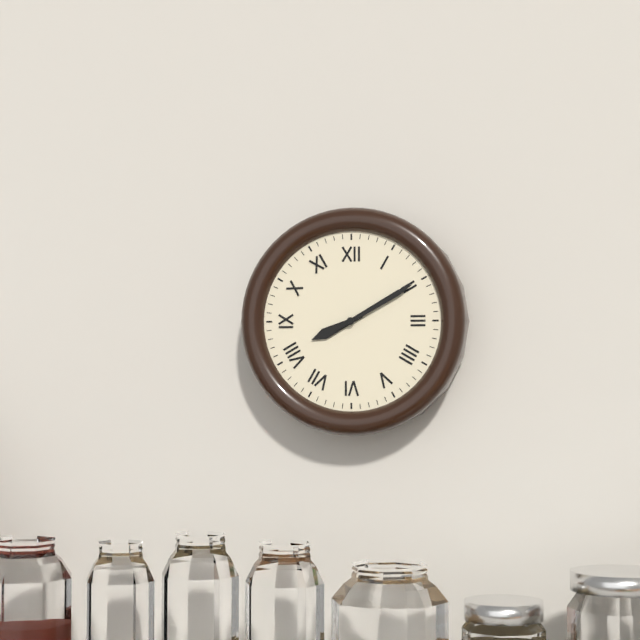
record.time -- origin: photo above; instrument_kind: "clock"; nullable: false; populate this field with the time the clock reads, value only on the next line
8:10
